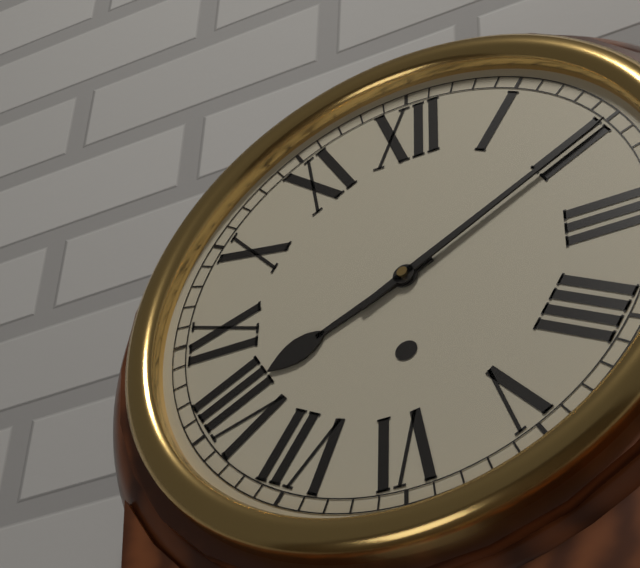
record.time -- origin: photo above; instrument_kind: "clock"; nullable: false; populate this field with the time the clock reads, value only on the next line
8:10
